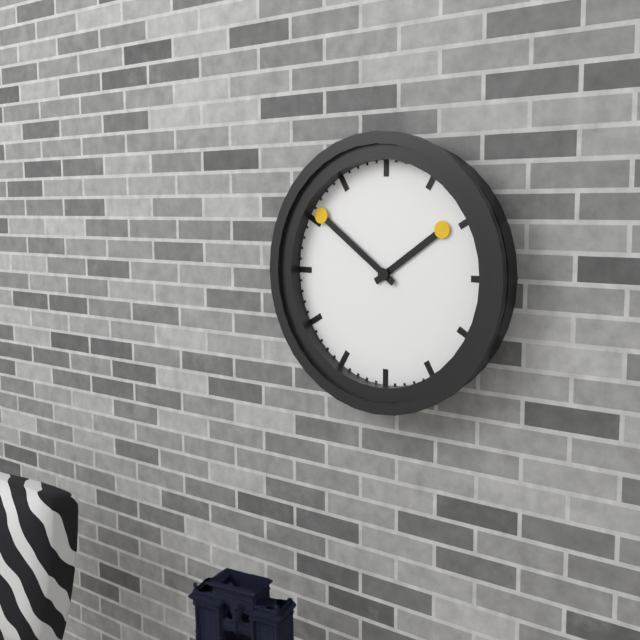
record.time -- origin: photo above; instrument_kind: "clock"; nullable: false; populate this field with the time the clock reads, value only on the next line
1:51
